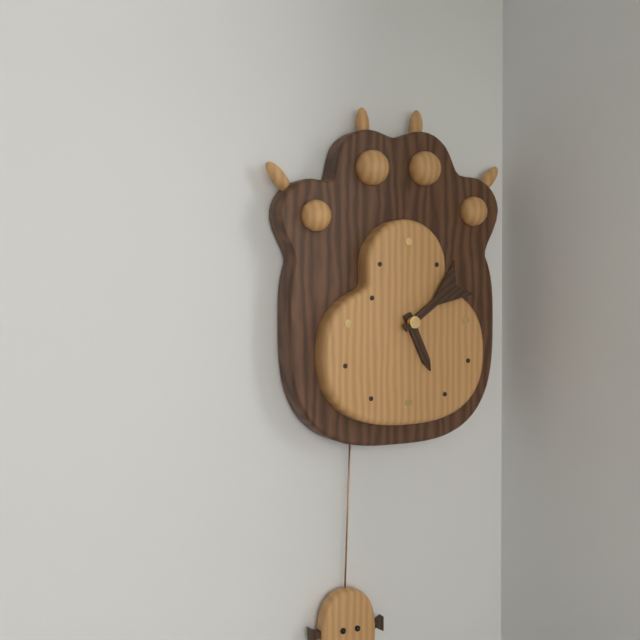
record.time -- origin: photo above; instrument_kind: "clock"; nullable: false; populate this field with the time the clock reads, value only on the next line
5:09
